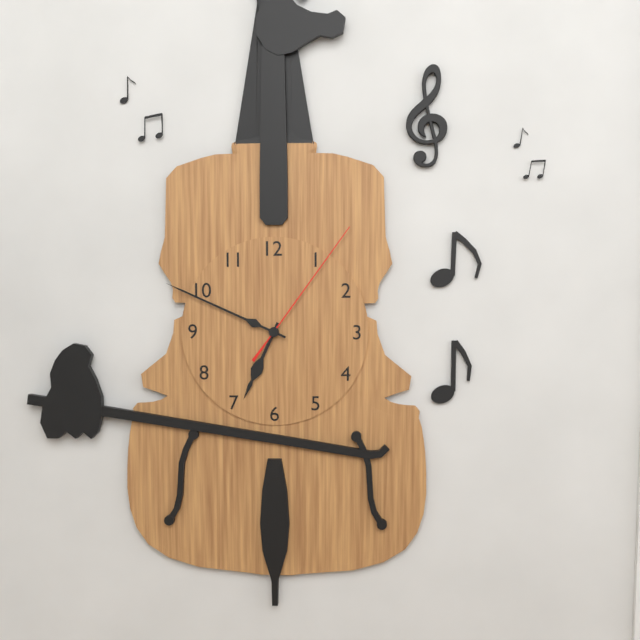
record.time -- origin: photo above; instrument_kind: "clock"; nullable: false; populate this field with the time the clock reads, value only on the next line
6:49:06
